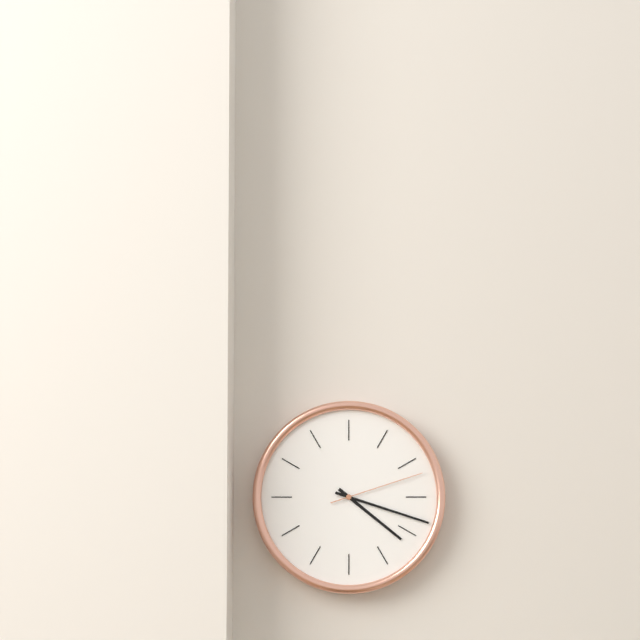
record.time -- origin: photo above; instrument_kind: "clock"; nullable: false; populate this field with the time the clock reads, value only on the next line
4:18:12
